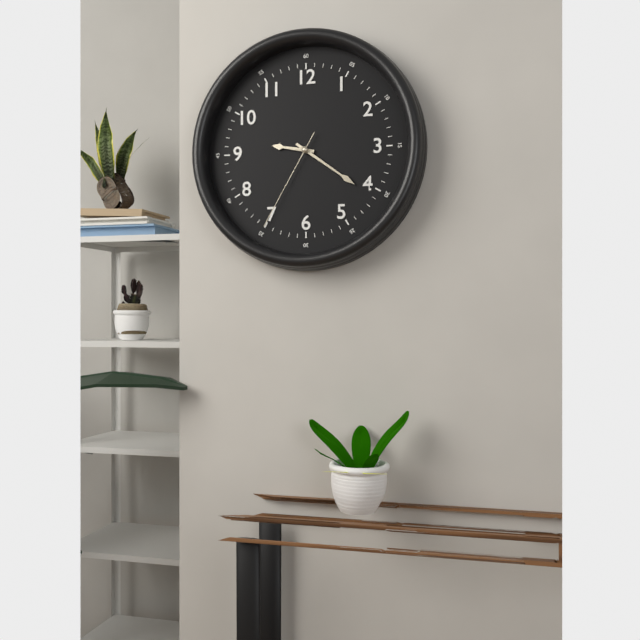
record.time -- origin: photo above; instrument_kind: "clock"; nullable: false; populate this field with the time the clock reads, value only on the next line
9:21:35
